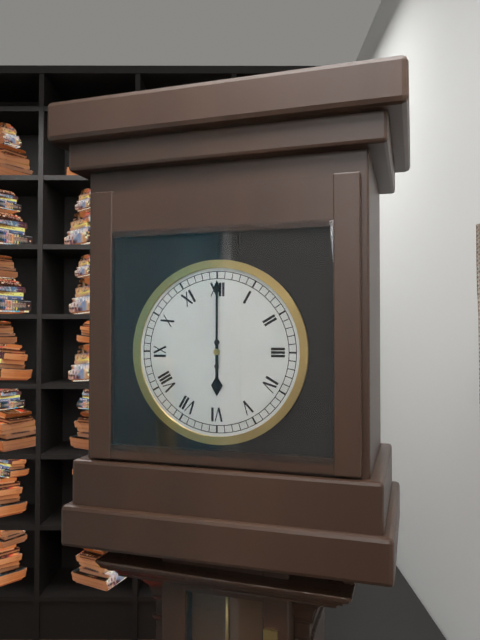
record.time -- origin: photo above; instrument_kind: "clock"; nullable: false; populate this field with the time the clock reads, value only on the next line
6:00
